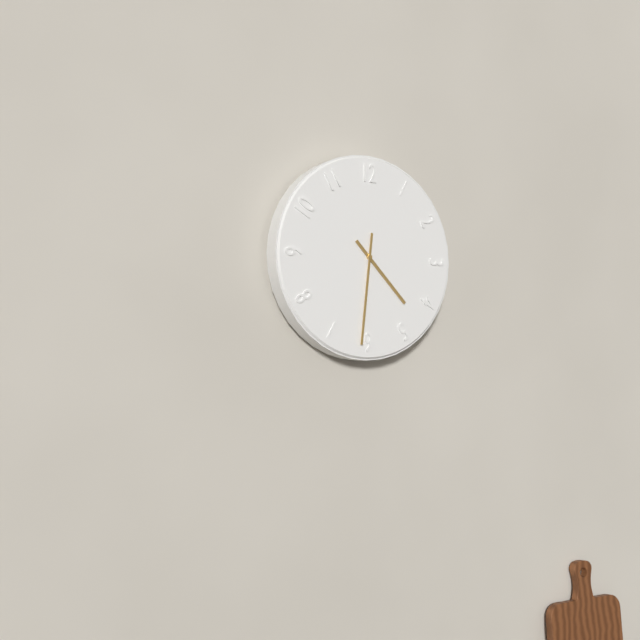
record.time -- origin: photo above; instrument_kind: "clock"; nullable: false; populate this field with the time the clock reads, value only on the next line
4:31
